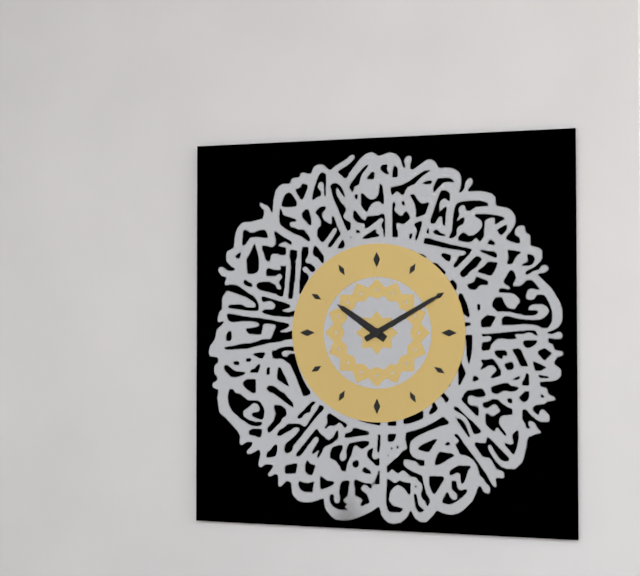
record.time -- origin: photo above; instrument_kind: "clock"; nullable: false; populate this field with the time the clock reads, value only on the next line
10:10
